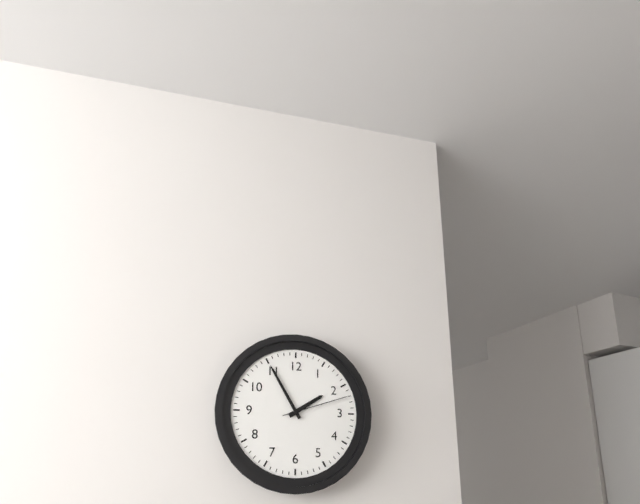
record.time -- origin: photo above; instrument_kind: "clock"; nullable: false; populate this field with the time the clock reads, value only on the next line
1:55:12
